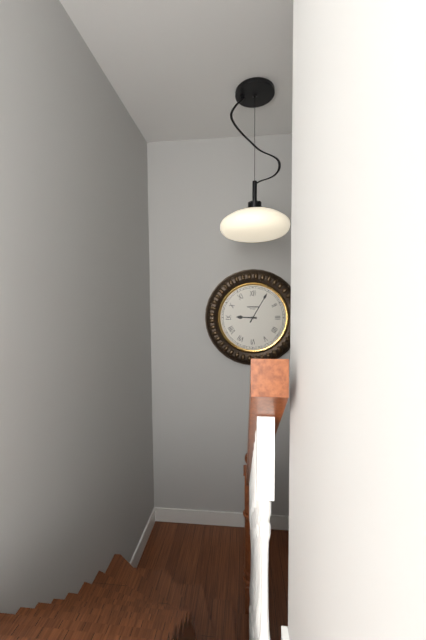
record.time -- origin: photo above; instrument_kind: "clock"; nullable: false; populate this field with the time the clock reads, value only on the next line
9:05
